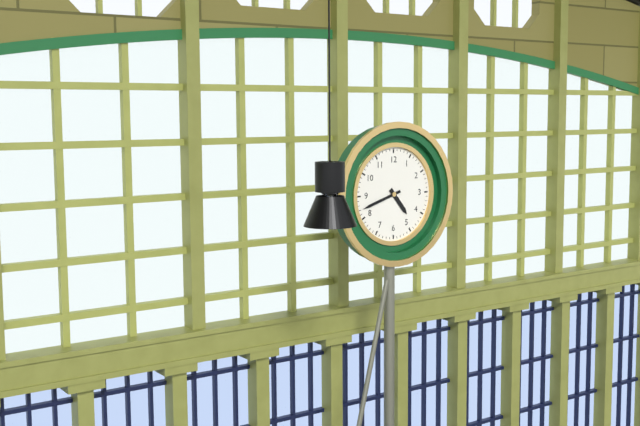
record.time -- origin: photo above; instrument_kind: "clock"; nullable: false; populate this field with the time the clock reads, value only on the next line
4:42
